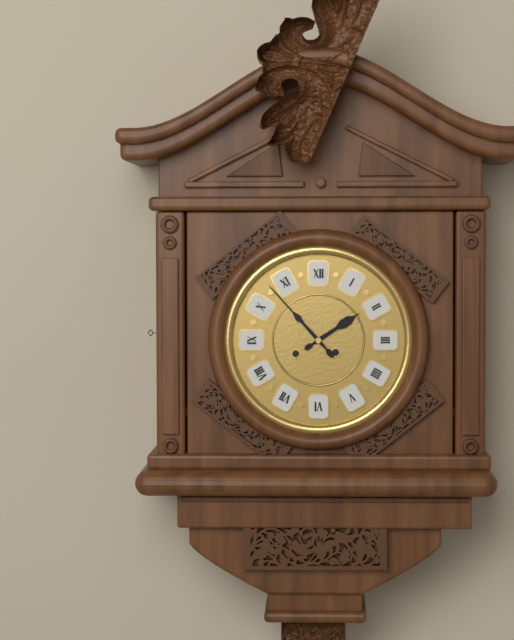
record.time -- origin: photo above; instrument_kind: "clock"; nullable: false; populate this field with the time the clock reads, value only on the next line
1:53
